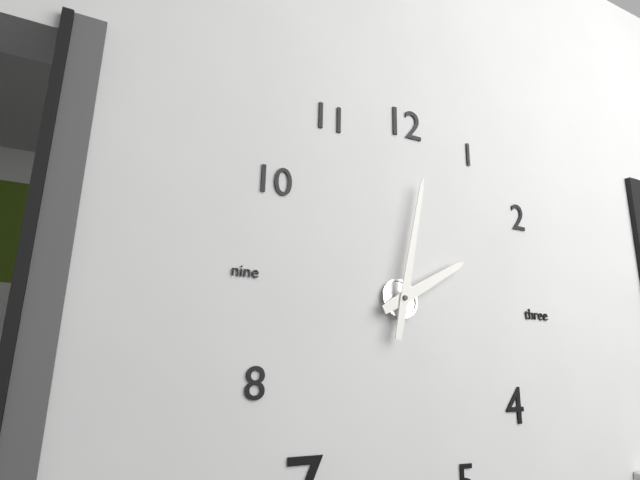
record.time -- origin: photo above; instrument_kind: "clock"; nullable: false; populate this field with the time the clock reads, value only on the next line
2:02
